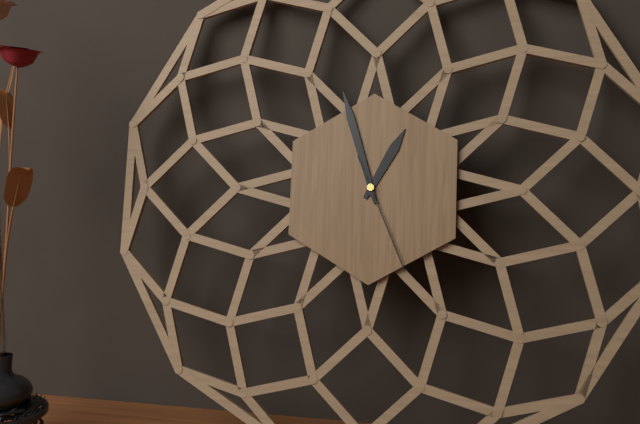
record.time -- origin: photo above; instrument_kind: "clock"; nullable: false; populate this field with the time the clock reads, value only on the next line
12:57:26
